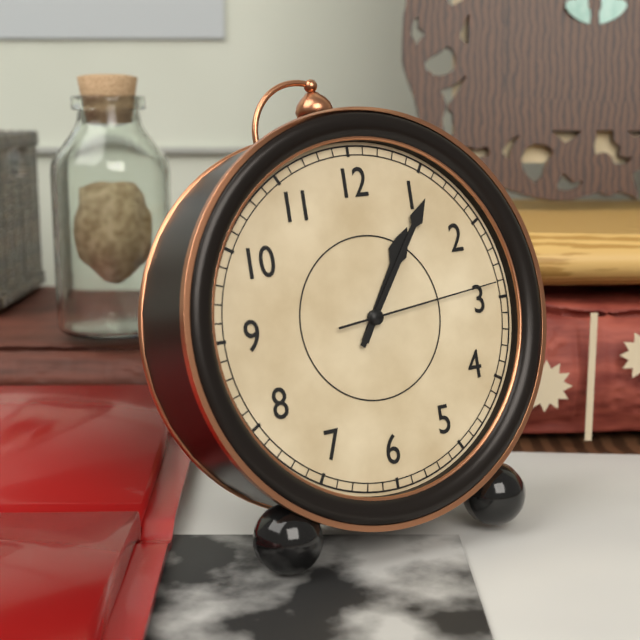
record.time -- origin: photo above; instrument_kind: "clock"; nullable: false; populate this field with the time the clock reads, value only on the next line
1:06:14
